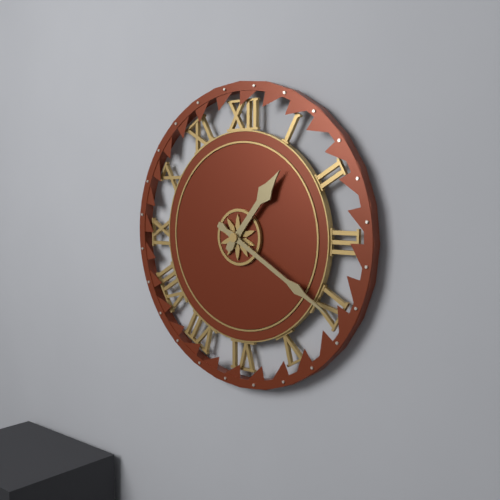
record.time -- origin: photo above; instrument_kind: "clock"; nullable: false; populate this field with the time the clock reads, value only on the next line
1:20
